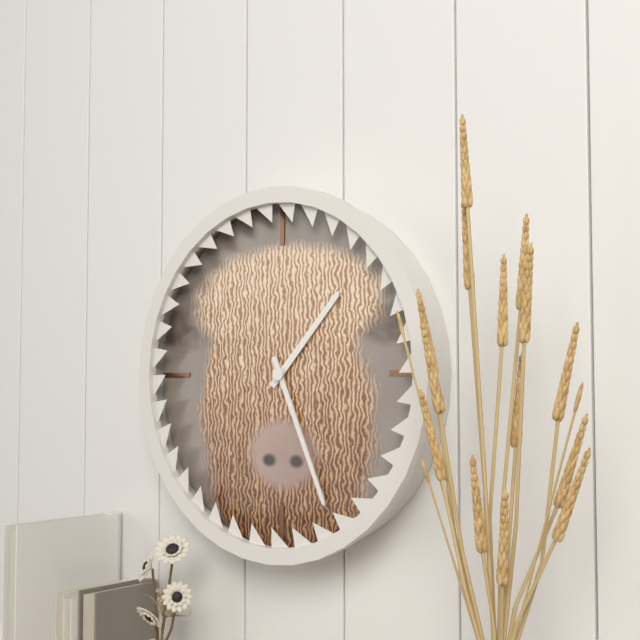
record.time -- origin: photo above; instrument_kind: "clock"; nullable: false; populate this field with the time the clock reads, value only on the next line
1:26
